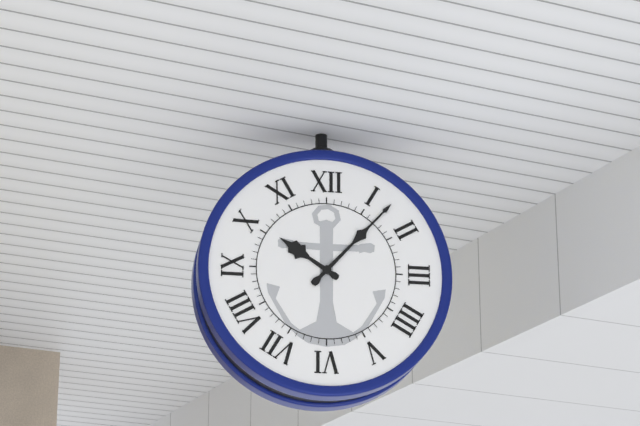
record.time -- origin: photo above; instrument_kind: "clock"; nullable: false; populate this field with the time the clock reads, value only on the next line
10:07
